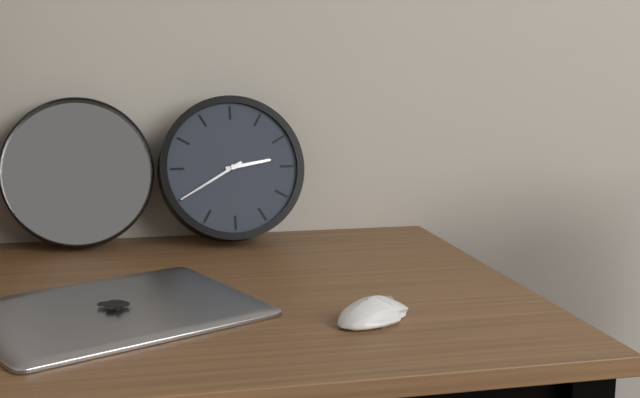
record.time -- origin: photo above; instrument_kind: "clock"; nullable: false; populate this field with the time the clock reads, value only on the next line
2:40
